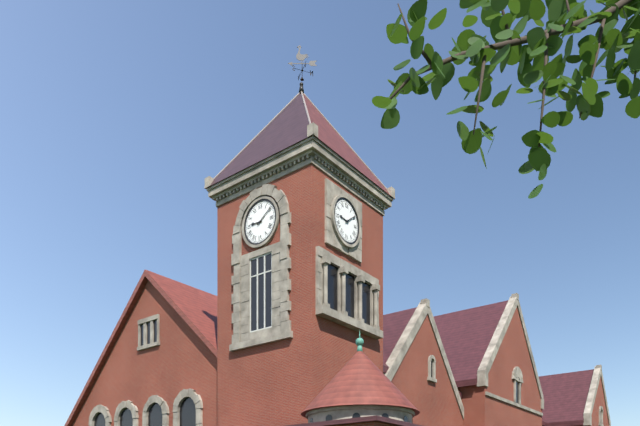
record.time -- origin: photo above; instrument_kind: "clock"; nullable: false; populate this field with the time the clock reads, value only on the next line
9:09
